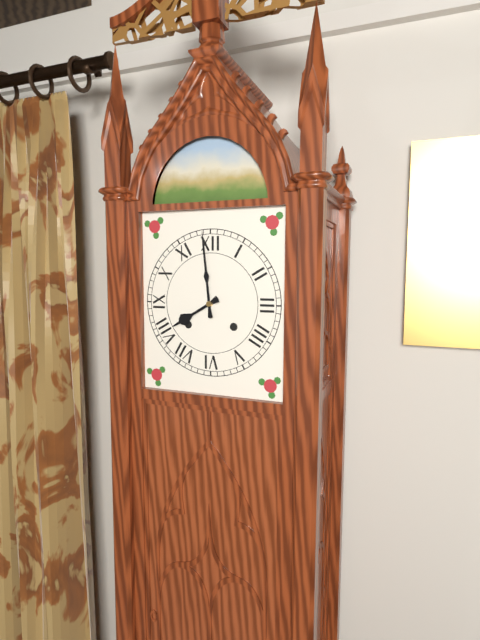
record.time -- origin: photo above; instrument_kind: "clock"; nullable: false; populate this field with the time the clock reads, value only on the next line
7:59
